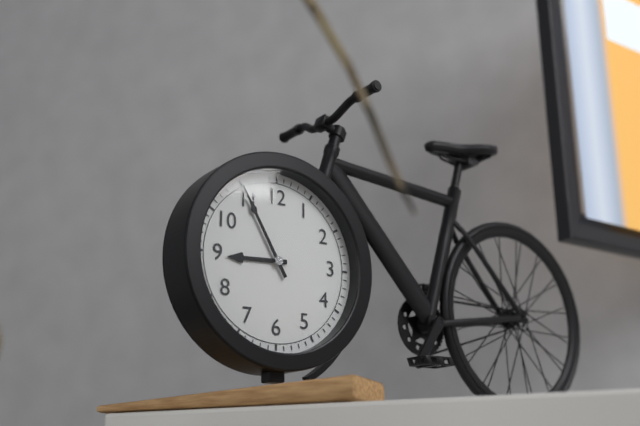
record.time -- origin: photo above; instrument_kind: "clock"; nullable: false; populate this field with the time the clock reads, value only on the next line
8:55
